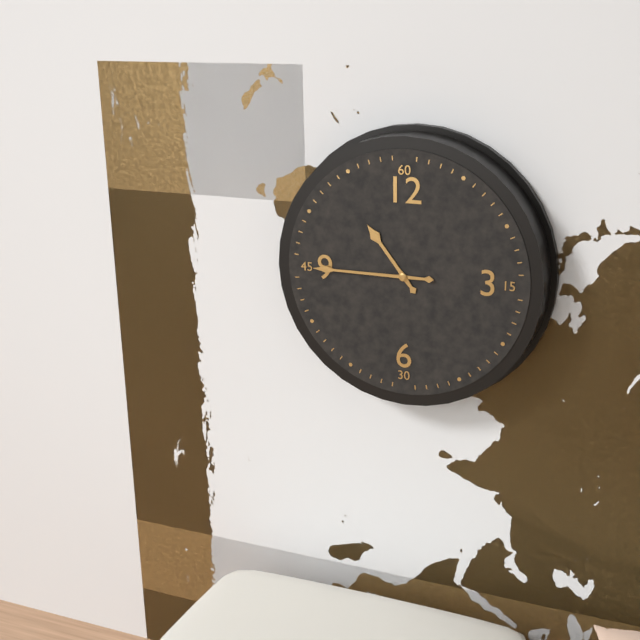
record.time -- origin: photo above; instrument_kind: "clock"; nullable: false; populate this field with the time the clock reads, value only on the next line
10:45
